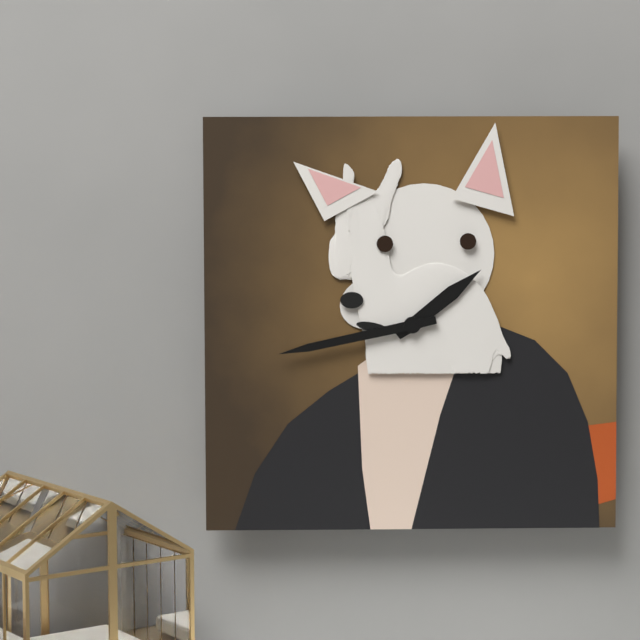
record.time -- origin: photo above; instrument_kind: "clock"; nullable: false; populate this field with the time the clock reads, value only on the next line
1:43
